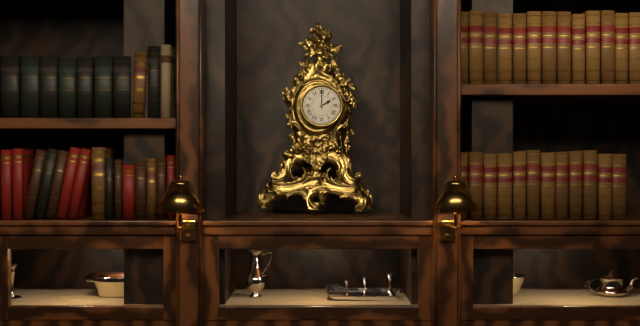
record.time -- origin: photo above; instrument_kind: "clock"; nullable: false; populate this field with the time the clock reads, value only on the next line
2:00
